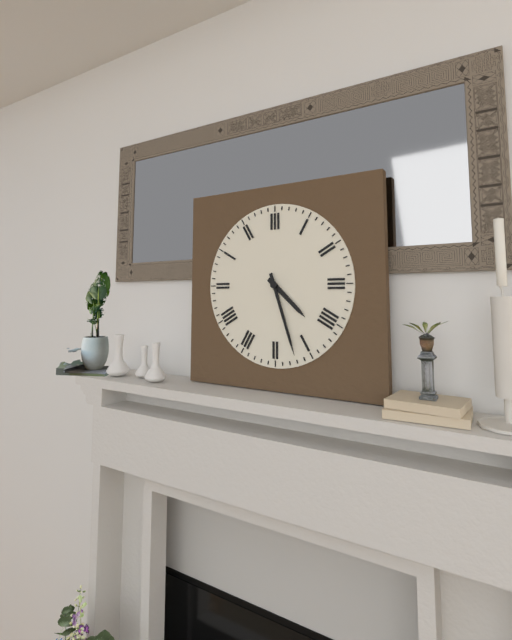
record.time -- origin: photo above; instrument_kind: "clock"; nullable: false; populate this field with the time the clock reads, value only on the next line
4:27
